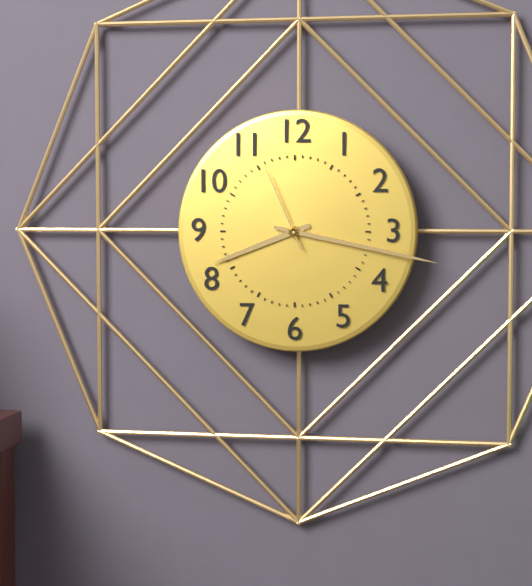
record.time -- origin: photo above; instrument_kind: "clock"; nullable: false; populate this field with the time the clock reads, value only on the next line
8:17:56
